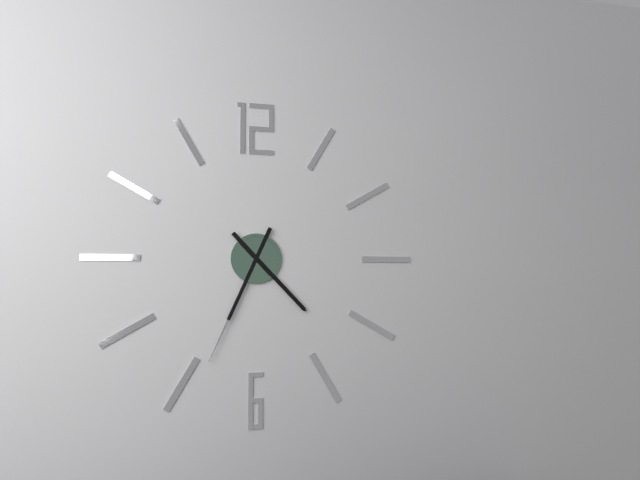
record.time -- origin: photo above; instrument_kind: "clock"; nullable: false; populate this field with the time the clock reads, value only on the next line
4:34
